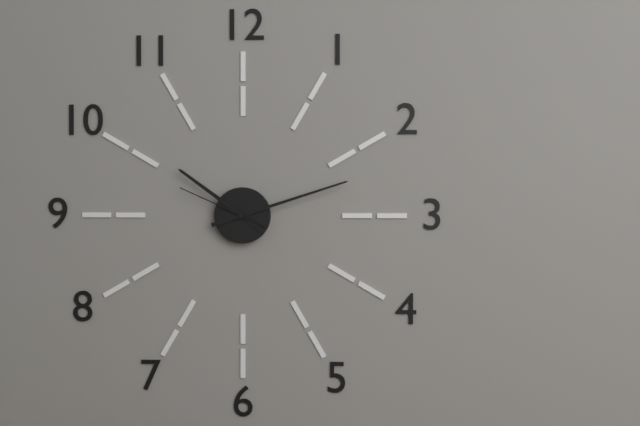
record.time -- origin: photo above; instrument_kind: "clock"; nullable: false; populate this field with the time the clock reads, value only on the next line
10:12:49
